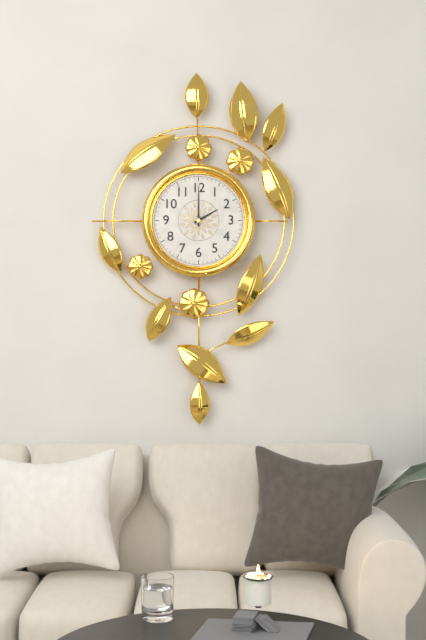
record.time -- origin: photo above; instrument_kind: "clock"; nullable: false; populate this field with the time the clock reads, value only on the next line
2:00
